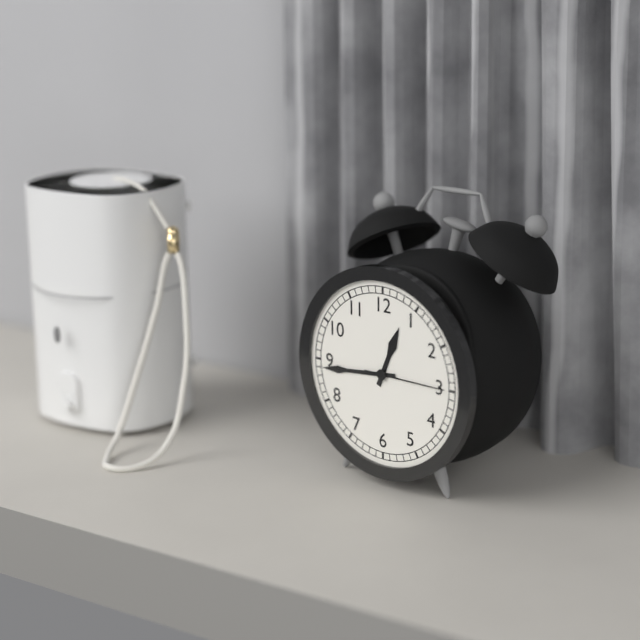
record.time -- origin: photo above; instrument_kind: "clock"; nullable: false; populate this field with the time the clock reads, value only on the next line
12:44:15
